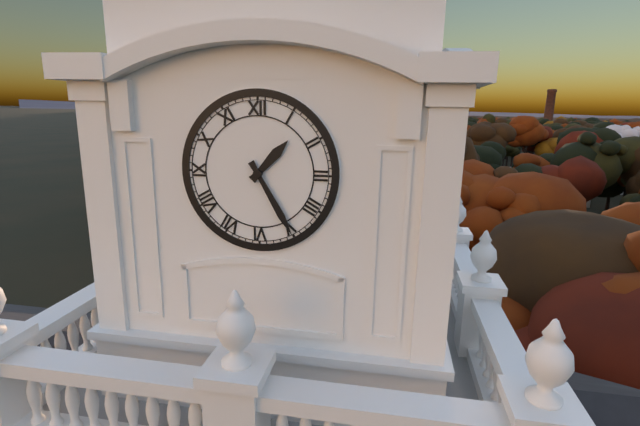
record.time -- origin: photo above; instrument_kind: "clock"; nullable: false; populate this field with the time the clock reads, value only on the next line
1:25
